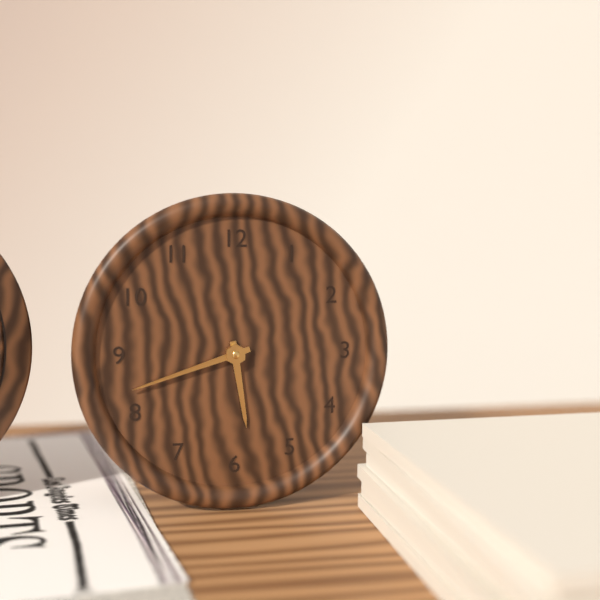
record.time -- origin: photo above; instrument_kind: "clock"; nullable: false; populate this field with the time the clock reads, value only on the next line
5:42
